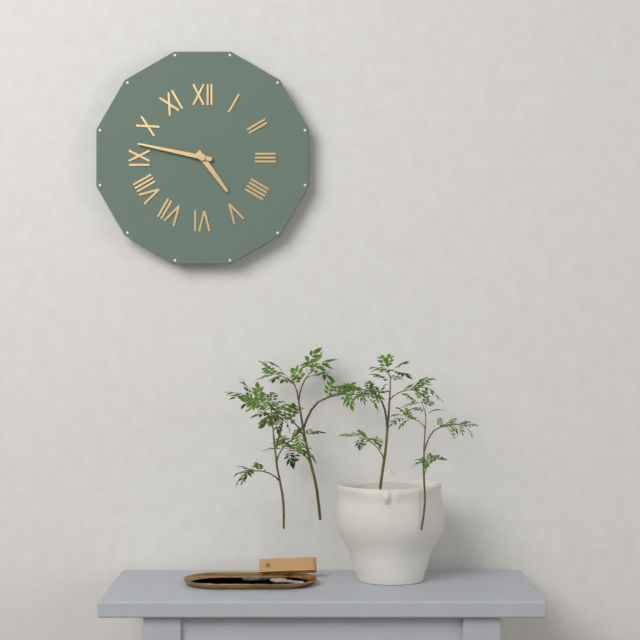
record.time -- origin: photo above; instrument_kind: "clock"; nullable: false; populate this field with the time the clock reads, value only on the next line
4:47
